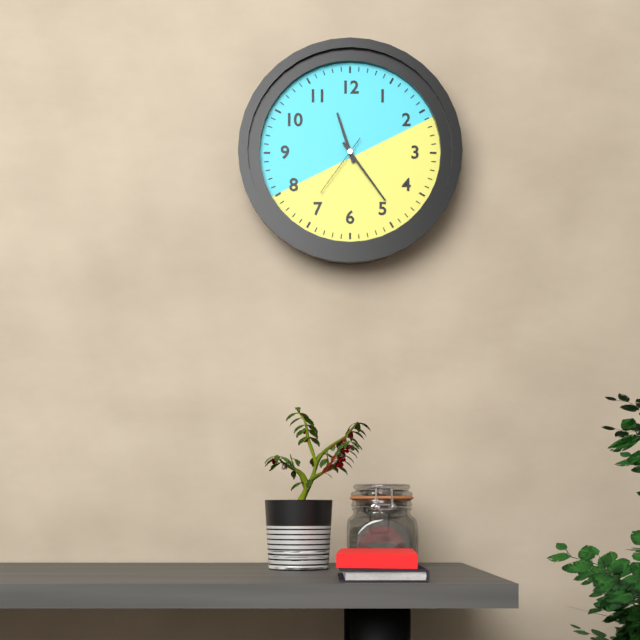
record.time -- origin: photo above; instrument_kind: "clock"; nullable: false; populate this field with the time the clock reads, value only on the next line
11:24:36
